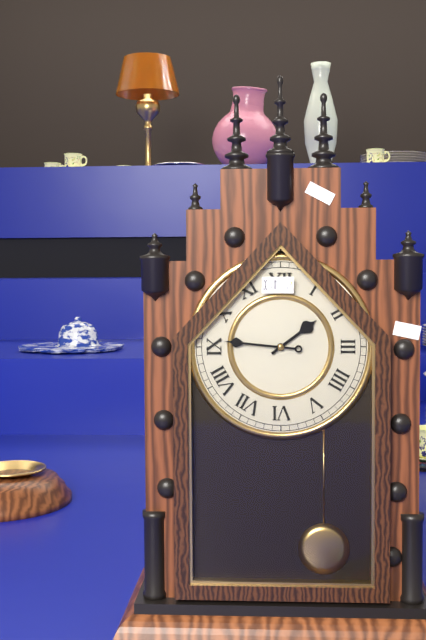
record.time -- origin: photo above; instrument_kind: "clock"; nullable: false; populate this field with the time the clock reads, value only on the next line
1:46
